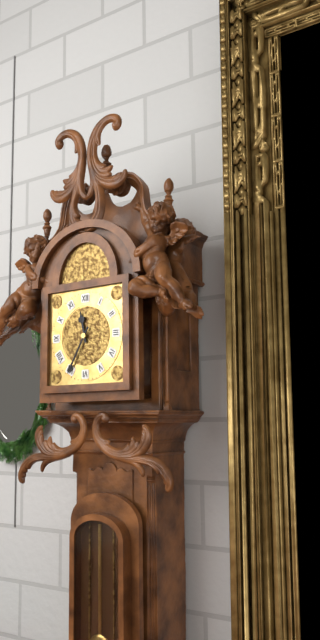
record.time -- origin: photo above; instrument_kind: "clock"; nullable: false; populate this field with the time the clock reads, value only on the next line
11:35
